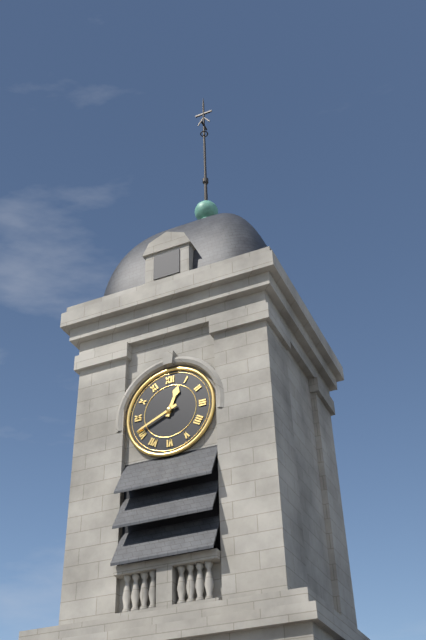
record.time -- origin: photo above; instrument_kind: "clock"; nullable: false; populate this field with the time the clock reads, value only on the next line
12:41
